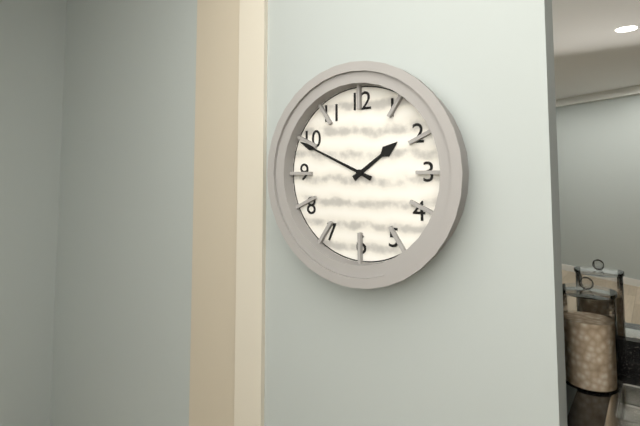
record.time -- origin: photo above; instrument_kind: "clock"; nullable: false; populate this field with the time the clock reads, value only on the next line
1:49
